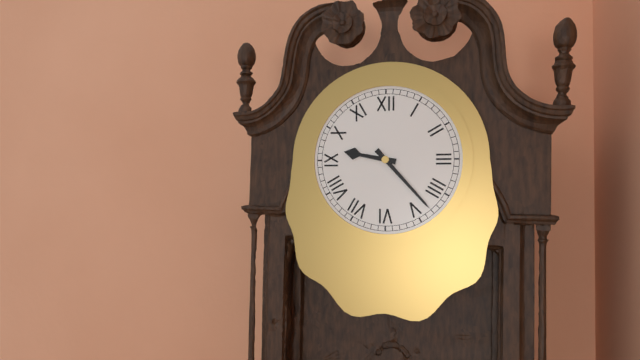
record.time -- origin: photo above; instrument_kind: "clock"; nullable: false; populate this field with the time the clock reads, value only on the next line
9:23
